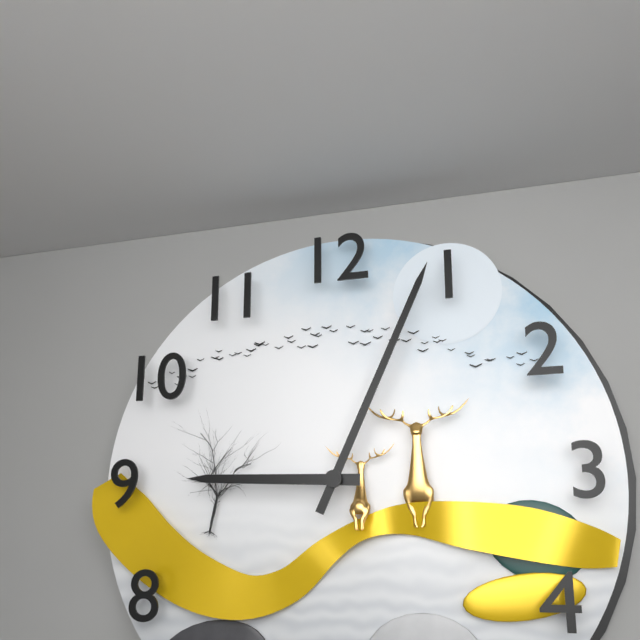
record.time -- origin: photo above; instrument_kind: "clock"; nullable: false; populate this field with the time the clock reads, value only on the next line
9:04
